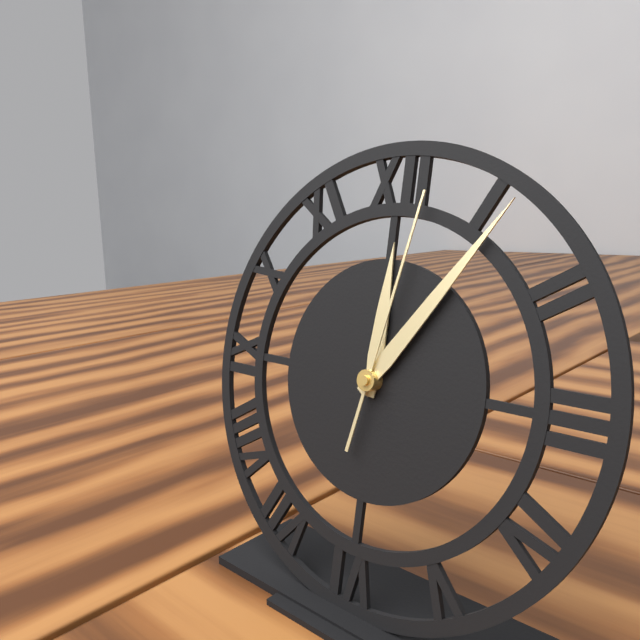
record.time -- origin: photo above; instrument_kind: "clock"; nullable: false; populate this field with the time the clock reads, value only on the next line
12:06:02
